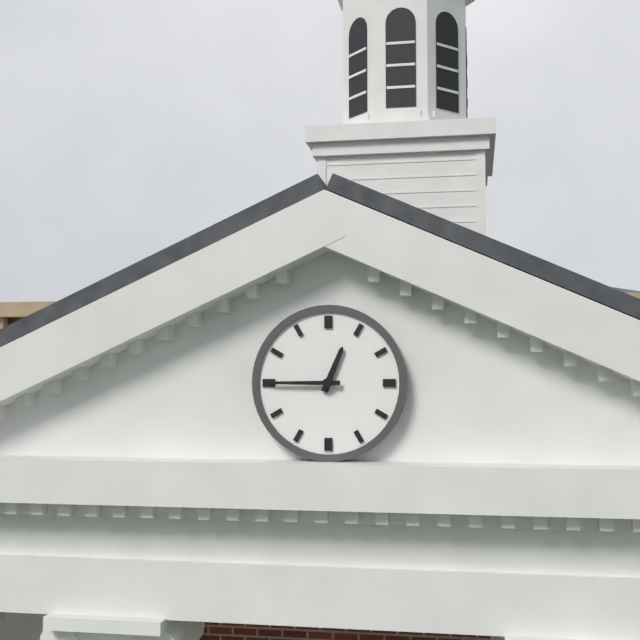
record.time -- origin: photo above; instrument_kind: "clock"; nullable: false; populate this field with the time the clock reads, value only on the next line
12:45
